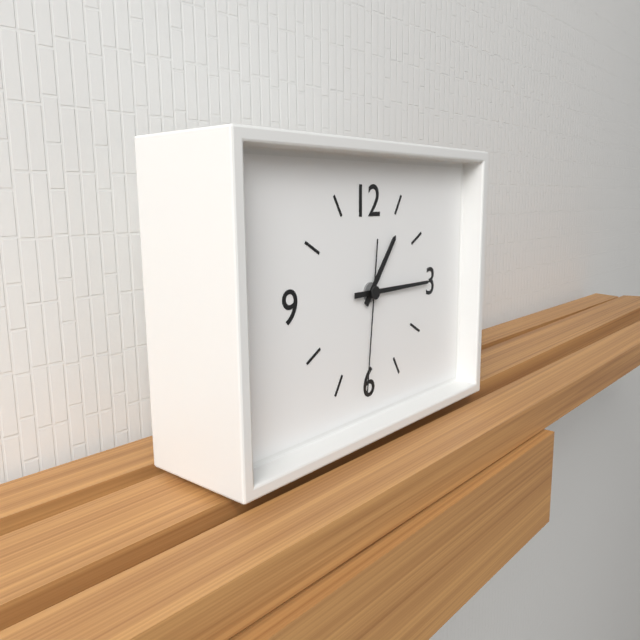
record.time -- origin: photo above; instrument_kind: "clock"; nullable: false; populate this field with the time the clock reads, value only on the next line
1:15:31
